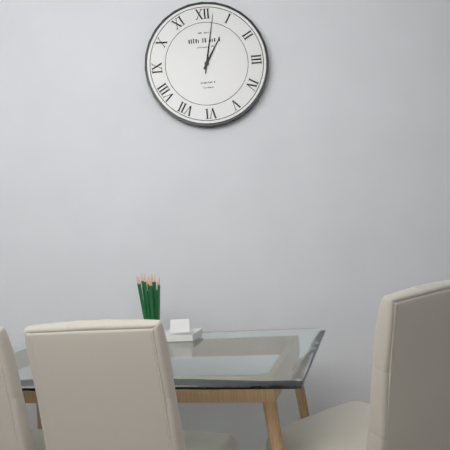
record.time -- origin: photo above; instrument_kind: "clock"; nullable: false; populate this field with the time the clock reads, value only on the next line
1:02
